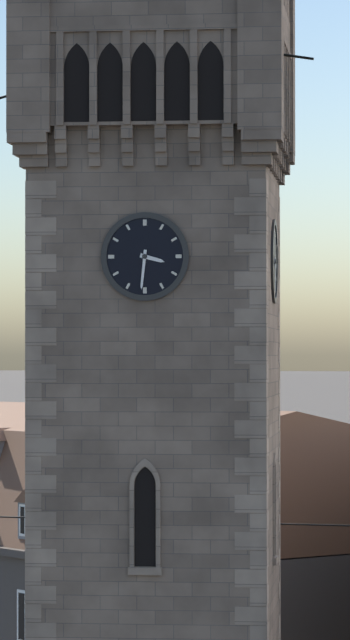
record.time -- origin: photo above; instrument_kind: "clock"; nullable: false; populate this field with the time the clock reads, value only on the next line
3:31
